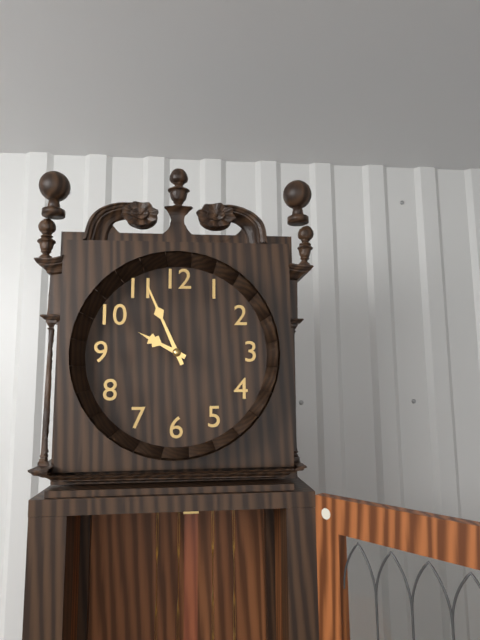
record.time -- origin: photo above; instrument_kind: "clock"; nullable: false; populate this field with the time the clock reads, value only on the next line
9:56
